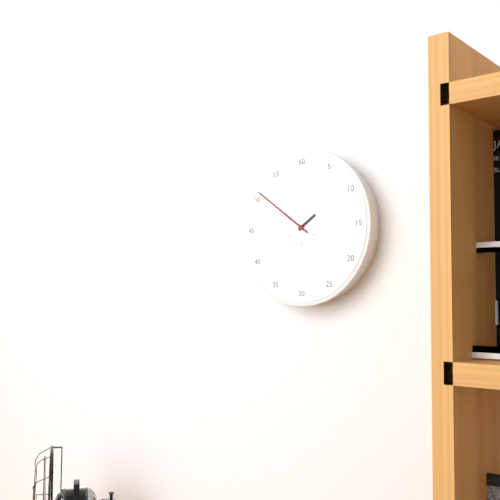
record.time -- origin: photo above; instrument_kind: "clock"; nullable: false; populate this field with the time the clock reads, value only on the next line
1:51
